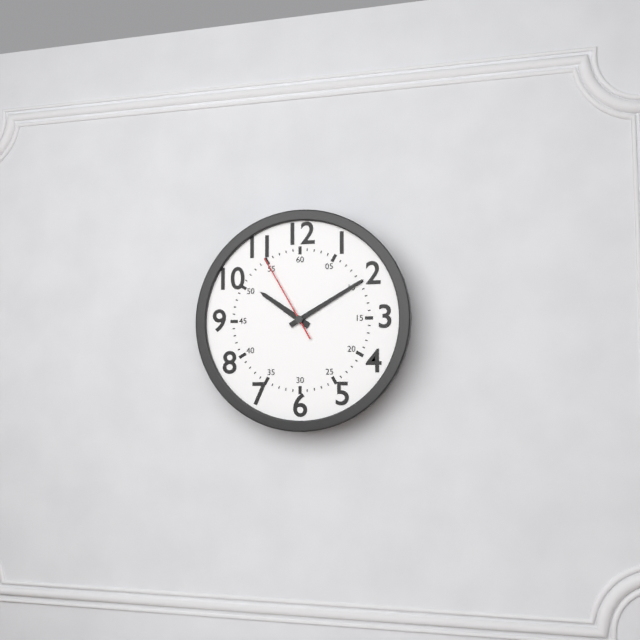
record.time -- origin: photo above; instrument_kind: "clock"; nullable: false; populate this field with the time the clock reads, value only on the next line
10:10:55
